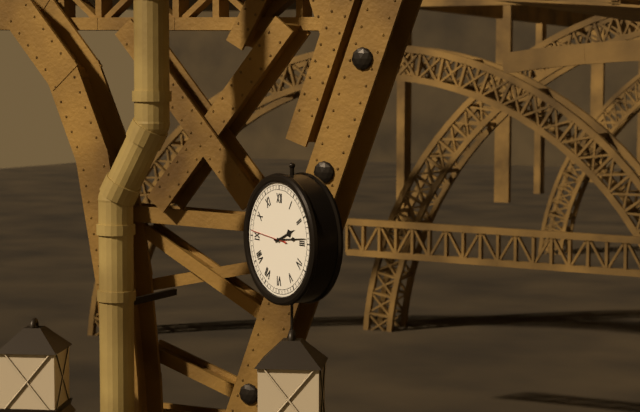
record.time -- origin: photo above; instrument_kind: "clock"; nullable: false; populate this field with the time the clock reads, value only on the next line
2:14
